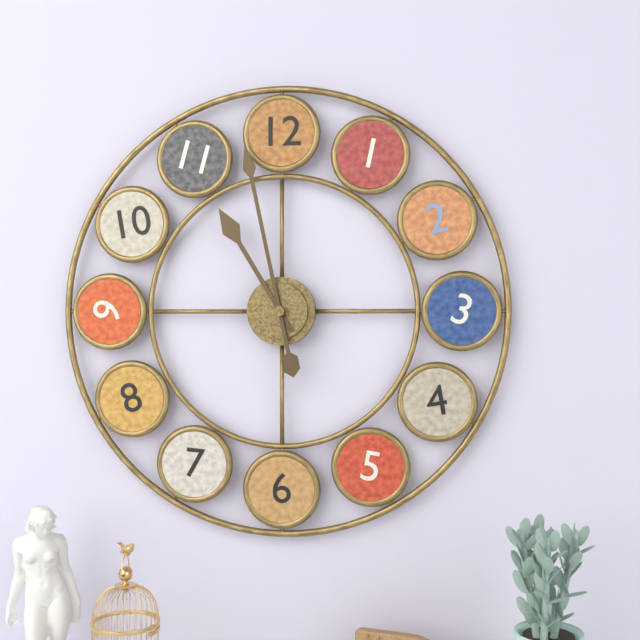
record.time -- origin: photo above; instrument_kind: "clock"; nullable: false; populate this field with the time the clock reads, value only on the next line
10:58
